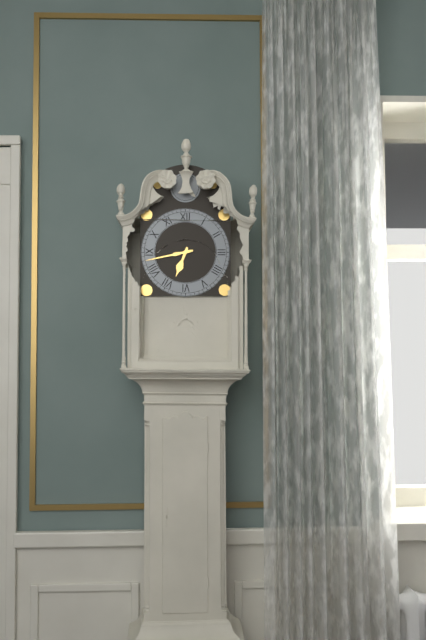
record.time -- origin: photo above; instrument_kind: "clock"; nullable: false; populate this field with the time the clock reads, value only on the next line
6:43
